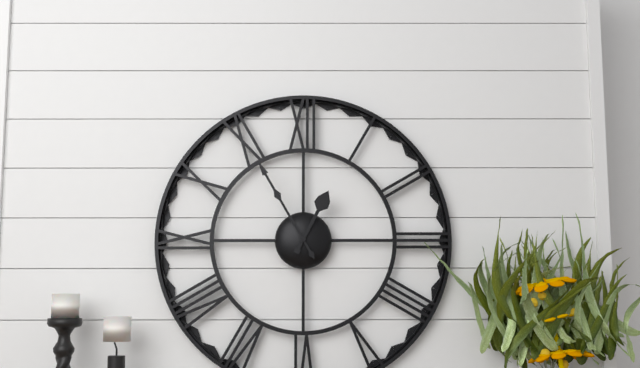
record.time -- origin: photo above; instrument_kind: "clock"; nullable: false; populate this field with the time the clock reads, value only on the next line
12:55
